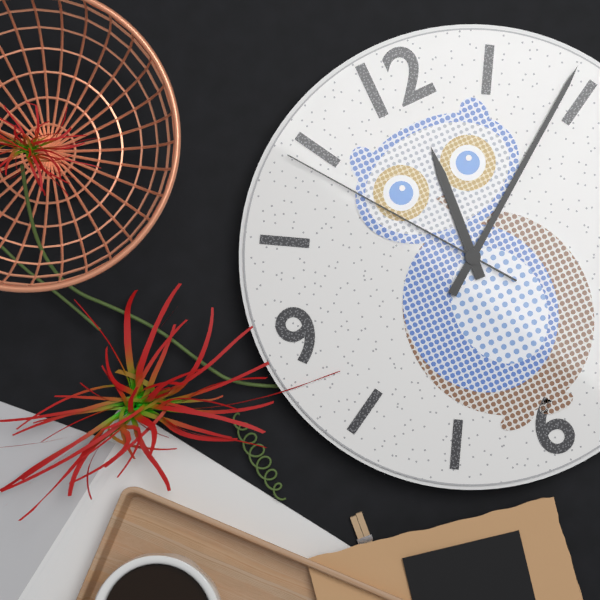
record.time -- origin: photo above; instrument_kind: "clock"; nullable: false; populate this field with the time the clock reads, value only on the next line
12:09:54
